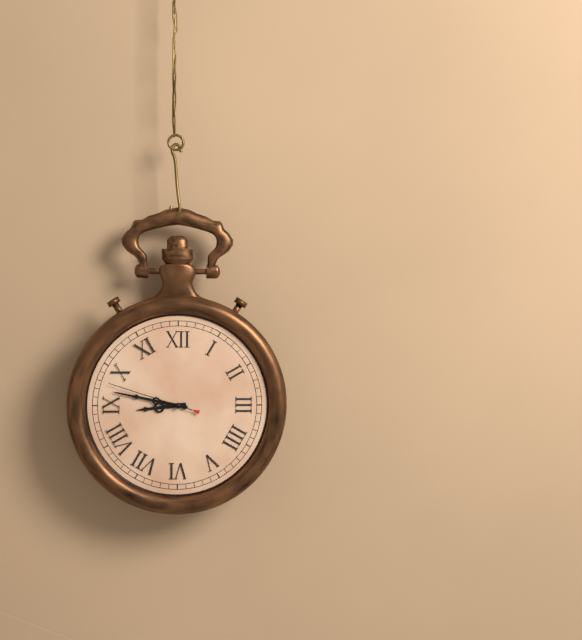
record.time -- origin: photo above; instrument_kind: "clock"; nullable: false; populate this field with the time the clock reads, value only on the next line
8:47:48
